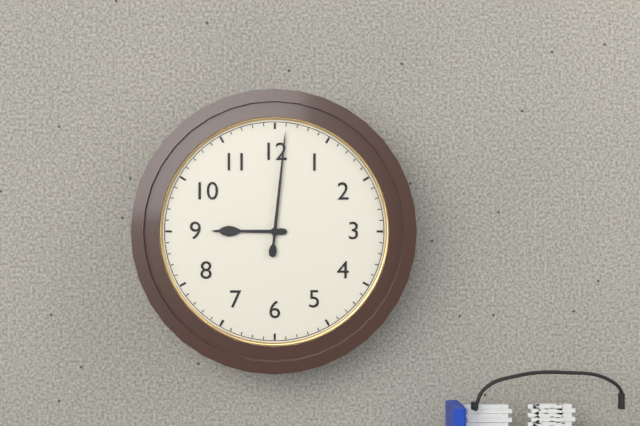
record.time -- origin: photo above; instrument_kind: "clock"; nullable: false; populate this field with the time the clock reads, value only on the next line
9:01
